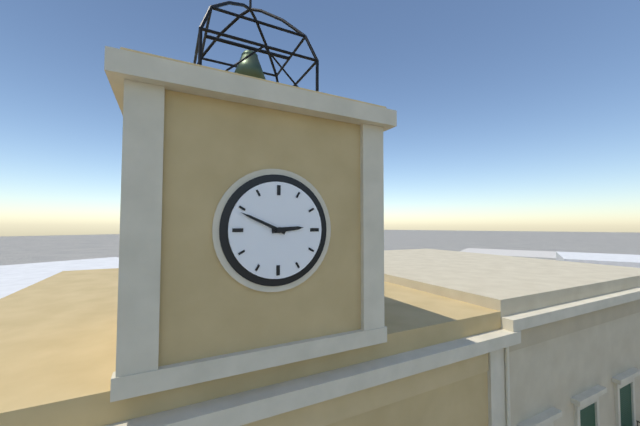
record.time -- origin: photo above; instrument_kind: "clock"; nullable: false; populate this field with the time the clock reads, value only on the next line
2:49
